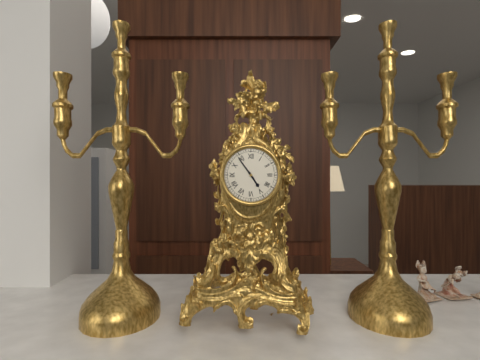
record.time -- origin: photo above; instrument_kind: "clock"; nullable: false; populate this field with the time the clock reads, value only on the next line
4:54
